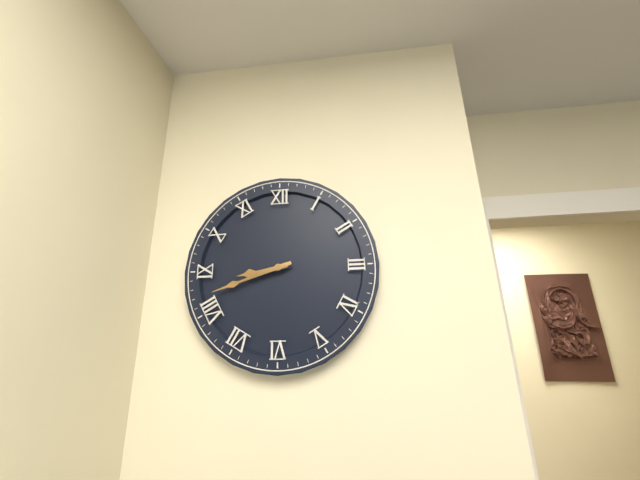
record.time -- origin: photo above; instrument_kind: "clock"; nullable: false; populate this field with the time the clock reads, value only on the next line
8:42
